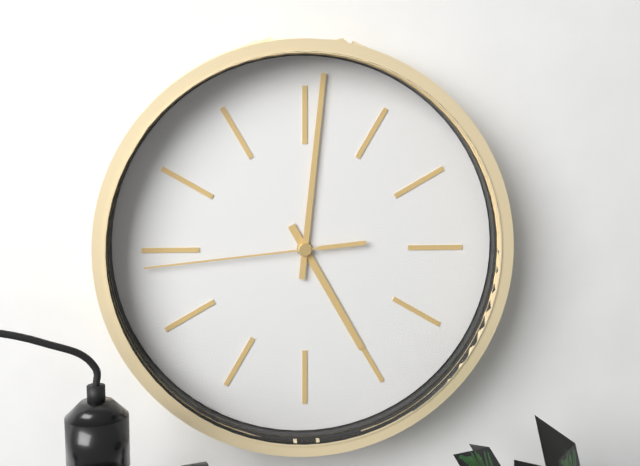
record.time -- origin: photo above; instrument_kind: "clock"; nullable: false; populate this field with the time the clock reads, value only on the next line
5:01:44
